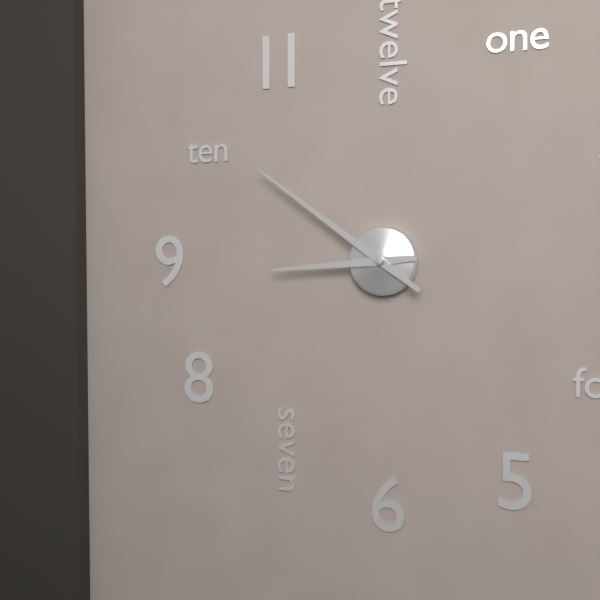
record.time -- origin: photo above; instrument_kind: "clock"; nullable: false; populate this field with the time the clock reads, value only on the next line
8:51
